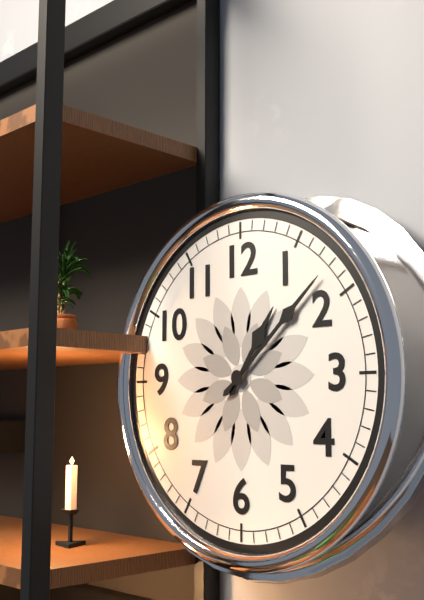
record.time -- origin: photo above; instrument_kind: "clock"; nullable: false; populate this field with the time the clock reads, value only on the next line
1:08
